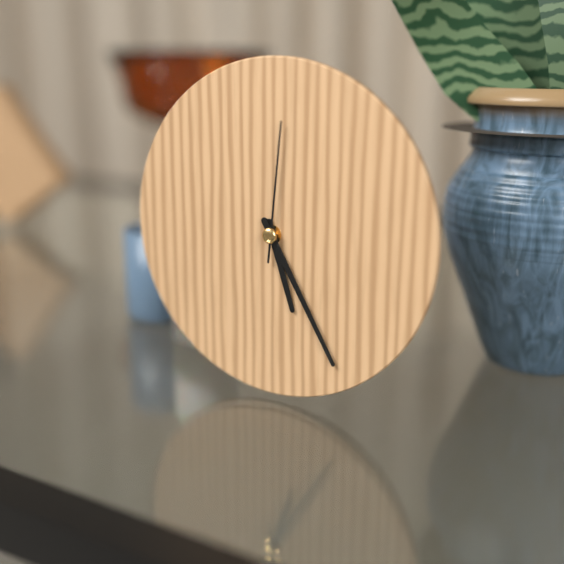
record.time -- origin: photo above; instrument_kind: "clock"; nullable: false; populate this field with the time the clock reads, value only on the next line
5:25:01
